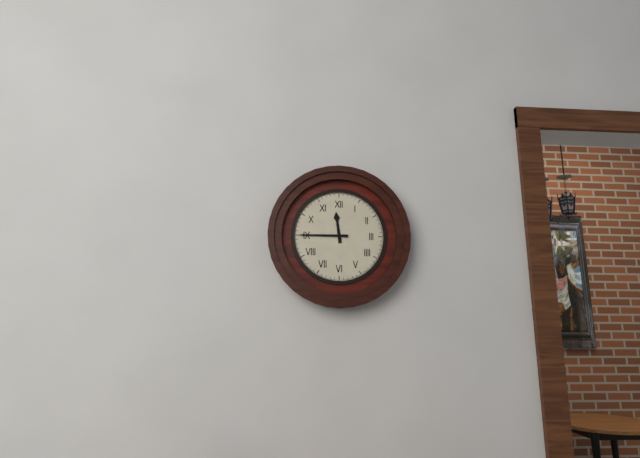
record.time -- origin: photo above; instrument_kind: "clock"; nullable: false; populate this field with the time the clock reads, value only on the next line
11:45
